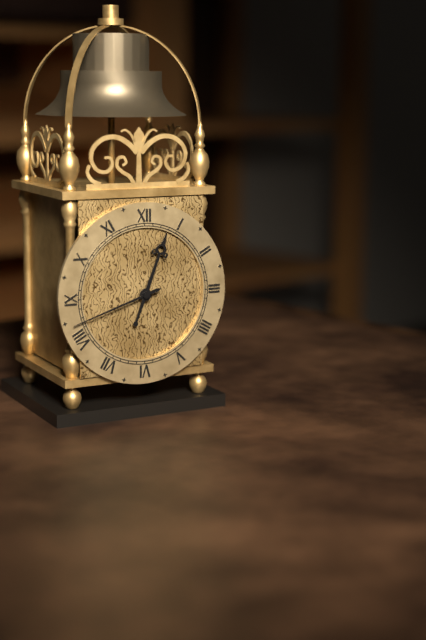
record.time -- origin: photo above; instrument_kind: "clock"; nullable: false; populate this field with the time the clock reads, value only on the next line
12:42
